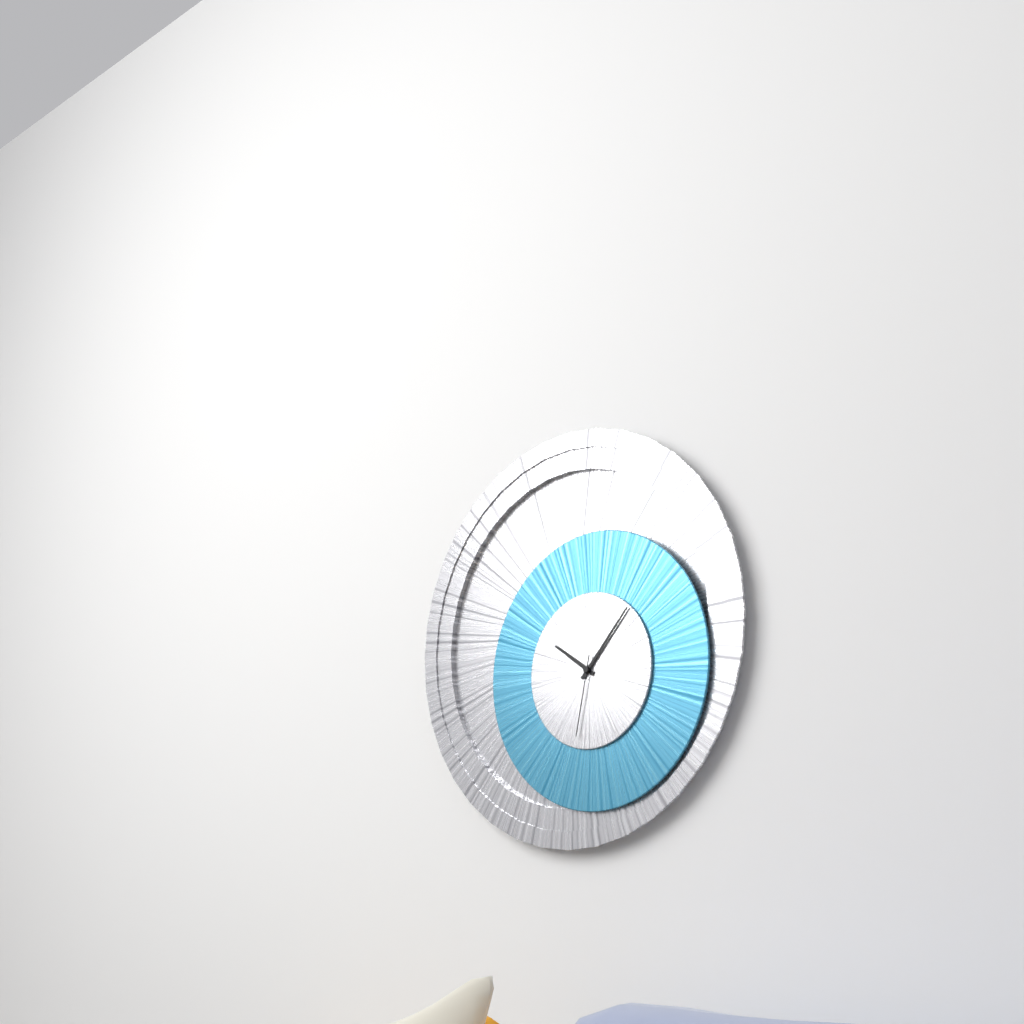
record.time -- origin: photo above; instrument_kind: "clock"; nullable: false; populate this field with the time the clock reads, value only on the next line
10:07:32
